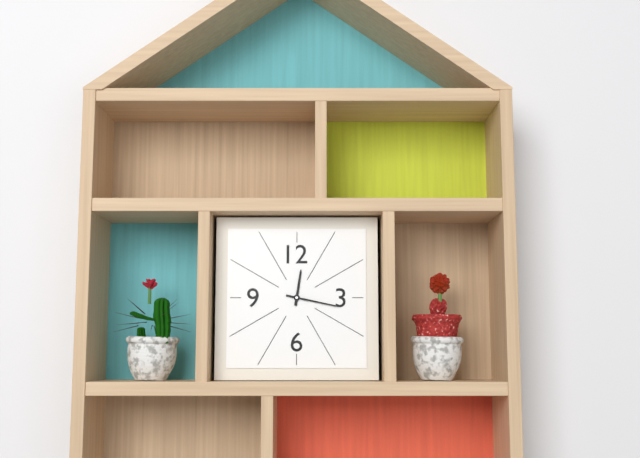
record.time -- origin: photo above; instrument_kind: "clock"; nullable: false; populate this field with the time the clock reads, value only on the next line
12:17
